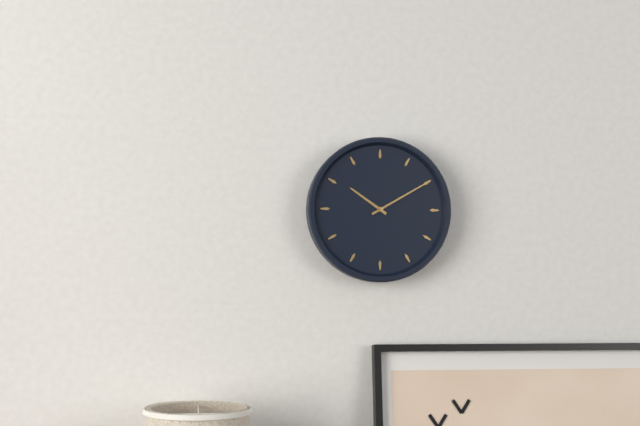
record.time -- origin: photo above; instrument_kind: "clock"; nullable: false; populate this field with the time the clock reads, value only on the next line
10:10
